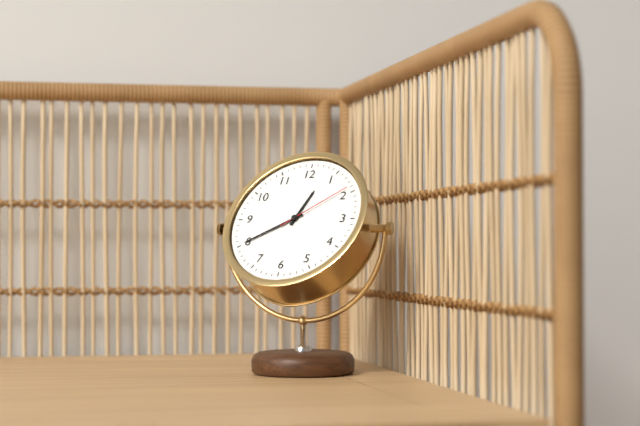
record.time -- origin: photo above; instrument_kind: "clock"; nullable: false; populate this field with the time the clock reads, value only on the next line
12:40:09
